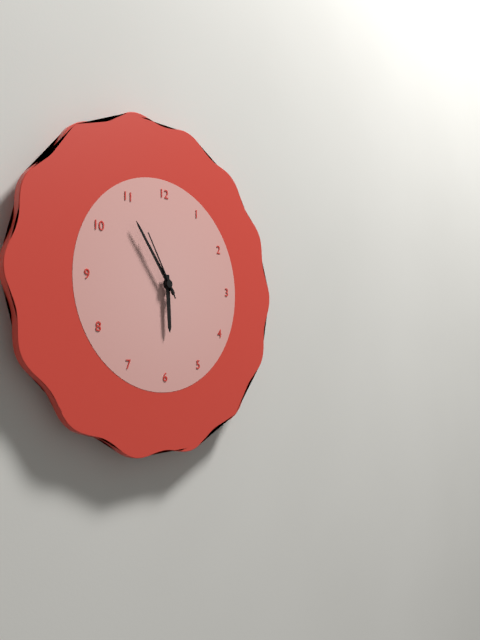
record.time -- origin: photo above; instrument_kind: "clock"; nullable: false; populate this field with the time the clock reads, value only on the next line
5:54:55
